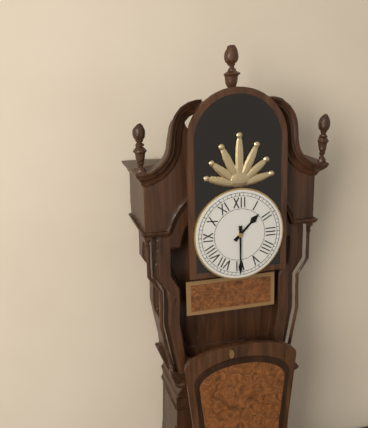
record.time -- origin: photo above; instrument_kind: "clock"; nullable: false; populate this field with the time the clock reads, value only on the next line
1:30
